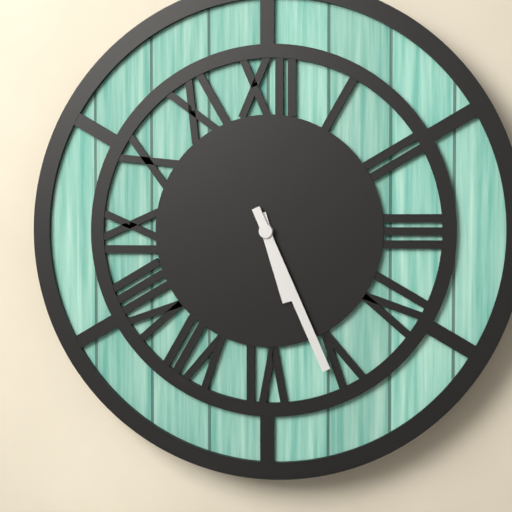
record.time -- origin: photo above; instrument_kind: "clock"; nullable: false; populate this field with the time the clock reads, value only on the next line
5:26
